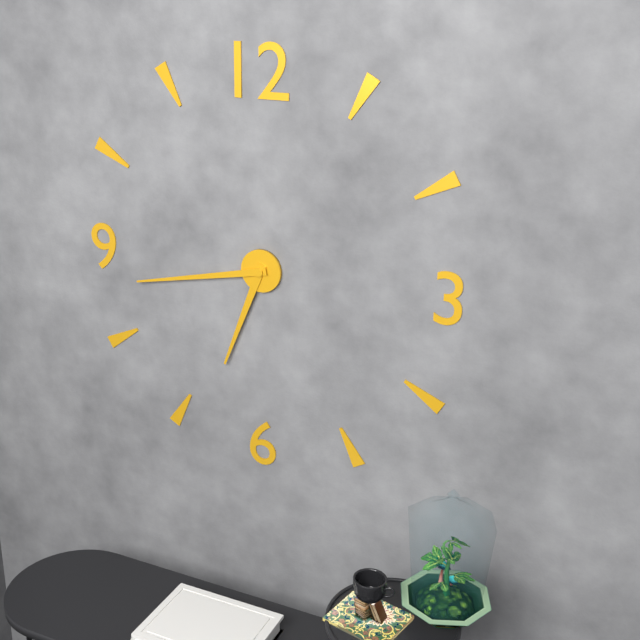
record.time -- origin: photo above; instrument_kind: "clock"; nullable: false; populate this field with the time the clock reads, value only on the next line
6:43
